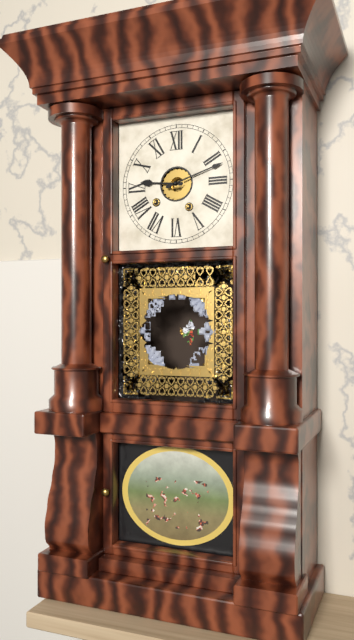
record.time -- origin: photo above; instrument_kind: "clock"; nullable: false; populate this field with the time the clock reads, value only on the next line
9:12
